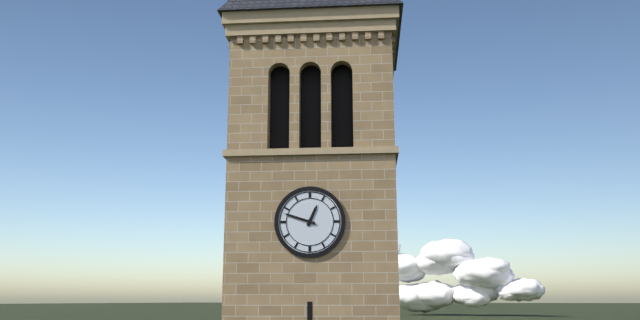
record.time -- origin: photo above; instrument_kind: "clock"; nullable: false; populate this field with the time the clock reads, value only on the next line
12:48
